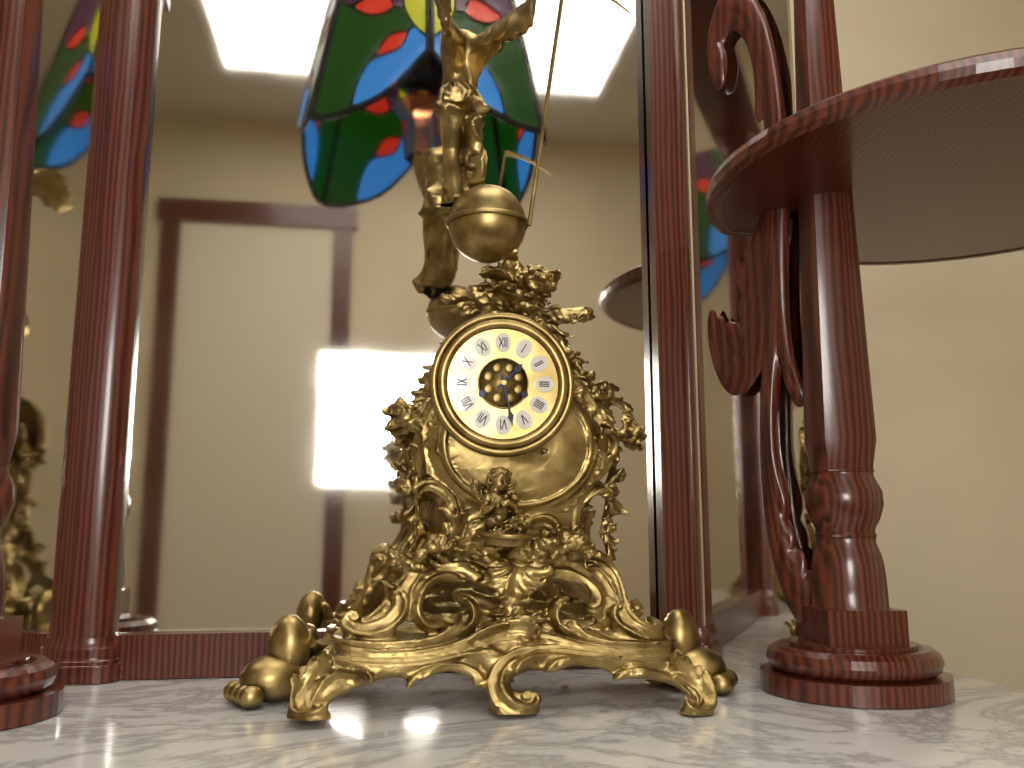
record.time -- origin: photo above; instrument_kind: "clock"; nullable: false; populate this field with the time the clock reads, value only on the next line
1:28
